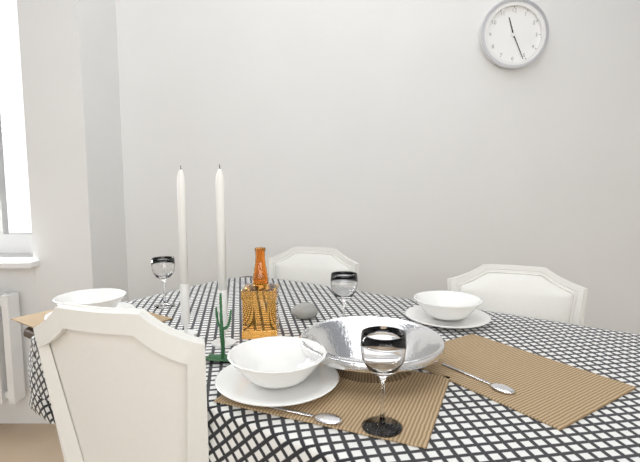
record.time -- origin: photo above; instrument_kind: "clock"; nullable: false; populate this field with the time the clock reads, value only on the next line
11:26
